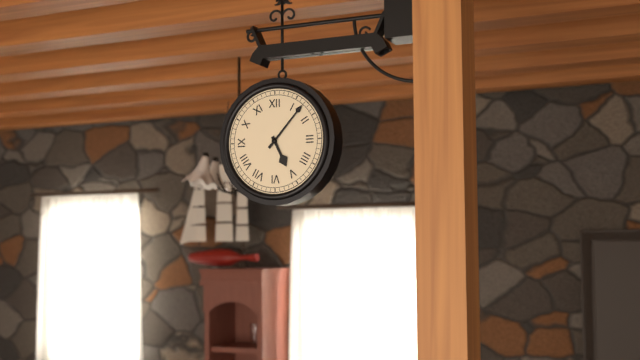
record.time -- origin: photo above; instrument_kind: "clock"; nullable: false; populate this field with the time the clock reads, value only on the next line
5:07
